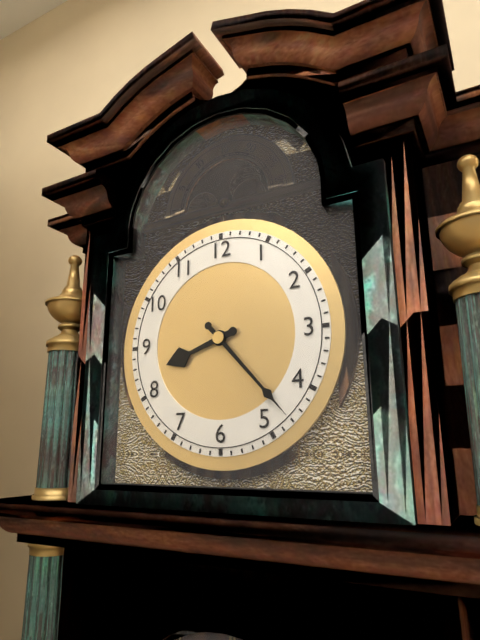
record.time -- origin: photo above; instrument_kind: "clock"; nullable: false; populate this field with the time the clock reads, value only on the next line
8:23
